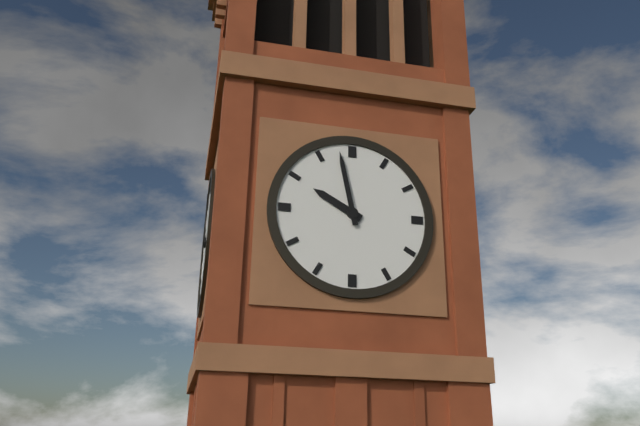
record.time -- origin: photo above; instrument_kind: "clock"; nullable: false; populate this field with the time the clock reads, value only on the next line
9:58
